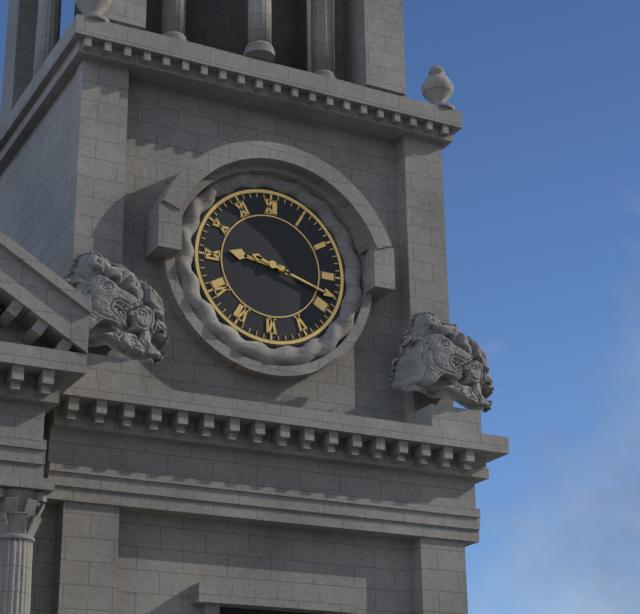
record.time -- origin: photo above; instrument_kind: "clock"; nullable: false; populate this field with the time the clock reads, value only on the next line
9:18
